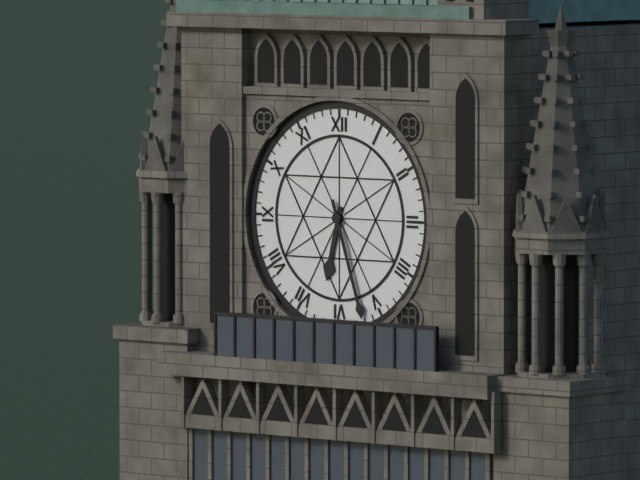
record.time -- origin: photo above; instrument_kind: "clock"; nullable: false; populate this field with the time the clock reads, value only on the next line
6:27
